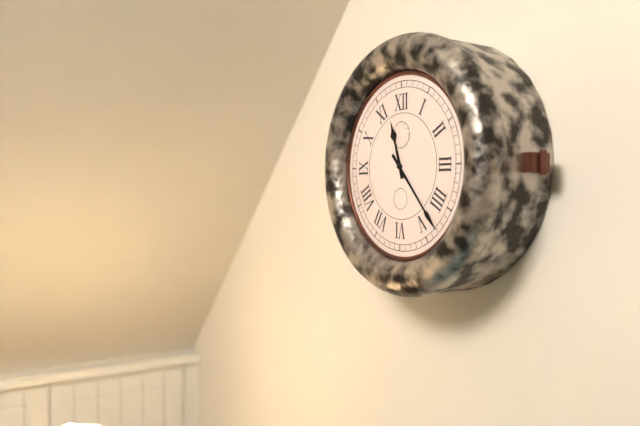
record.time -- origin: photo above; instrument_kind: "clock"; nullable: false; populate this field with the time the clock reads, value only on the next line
11:23
